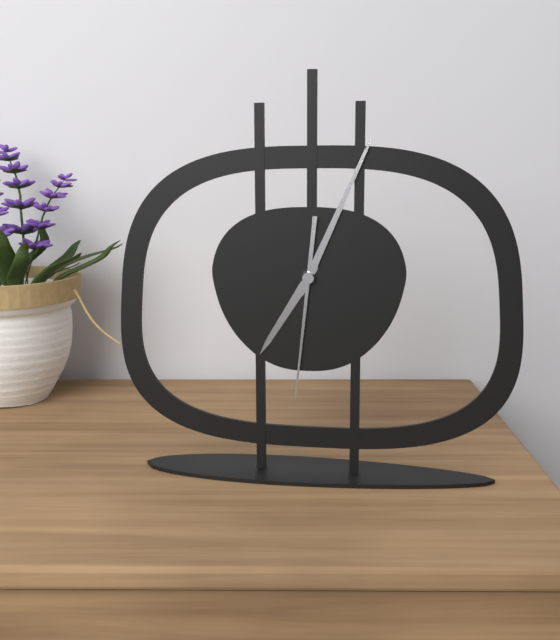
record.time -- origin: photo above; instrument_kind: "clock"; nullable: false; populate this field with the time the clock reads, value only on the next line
7:04:31
